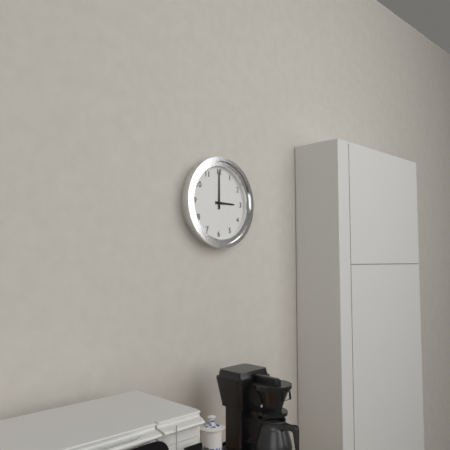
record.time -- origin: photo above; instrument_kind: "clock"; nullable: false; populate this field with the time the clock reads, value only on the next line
3:00
